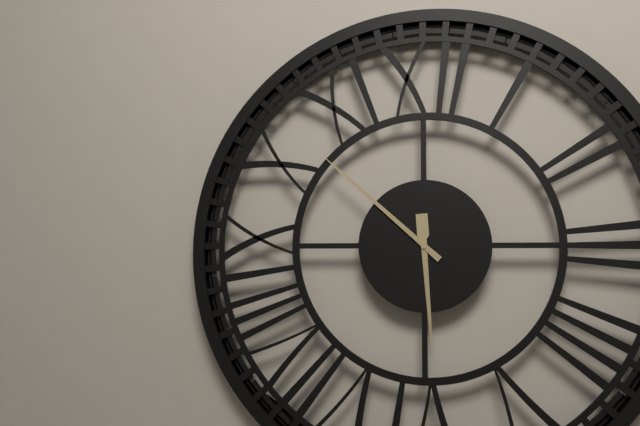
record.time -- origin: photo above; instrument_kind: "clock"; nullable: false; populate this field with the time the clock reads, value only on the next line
5:52
